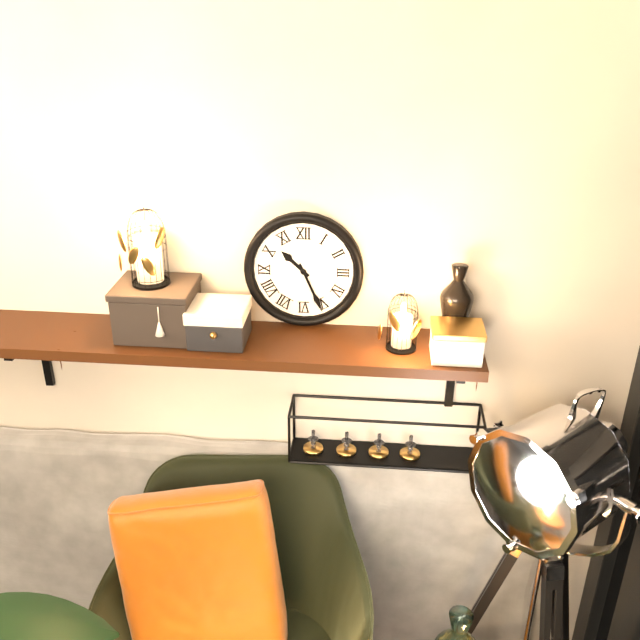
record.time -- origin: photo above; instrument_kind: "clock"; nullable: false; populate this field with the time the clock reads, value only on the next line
10:26
